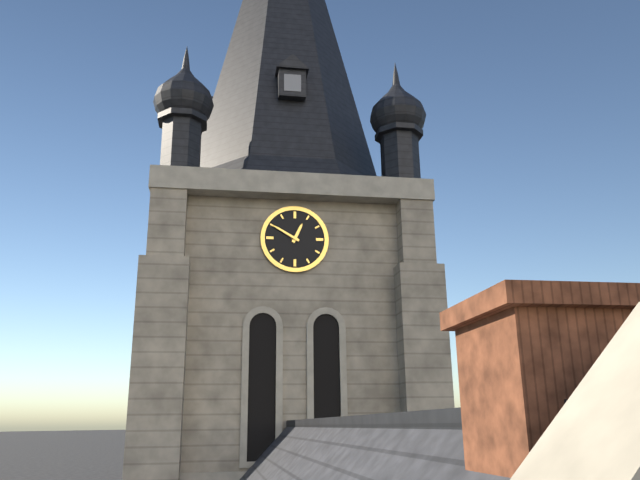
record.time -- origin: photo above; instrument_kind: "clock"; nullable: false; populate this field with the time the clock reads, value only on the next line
12:50
